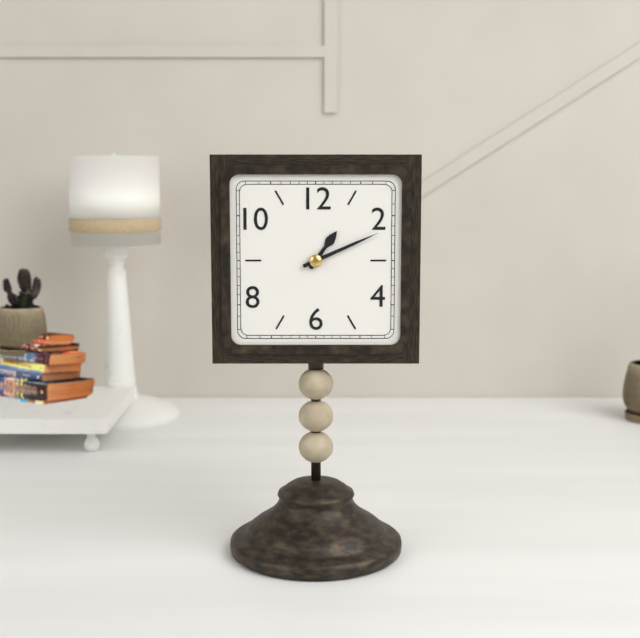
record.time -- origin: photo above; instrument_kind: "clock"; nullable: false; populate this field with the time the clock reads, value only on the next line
1:11
